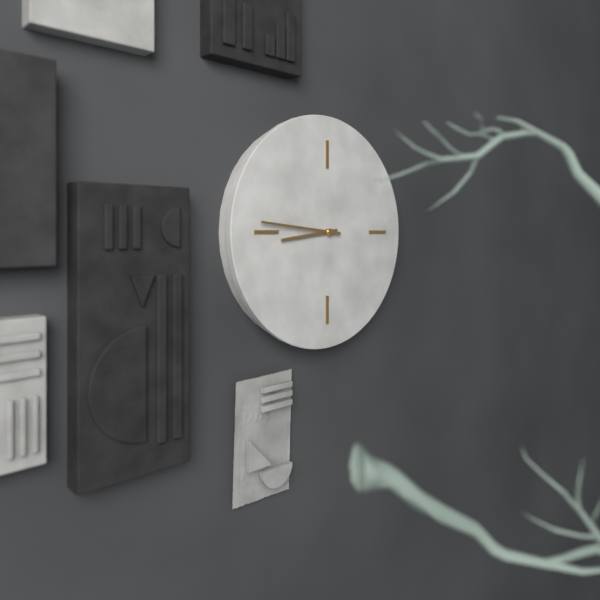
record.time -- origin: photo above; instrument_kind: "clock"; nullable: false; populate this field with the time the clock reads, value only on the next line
8:46
